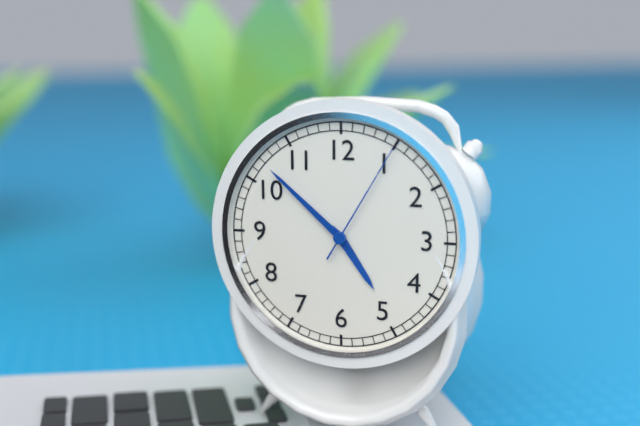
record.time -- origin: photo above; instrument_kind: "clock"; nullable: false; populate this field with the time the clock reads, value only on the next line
4:52:05
